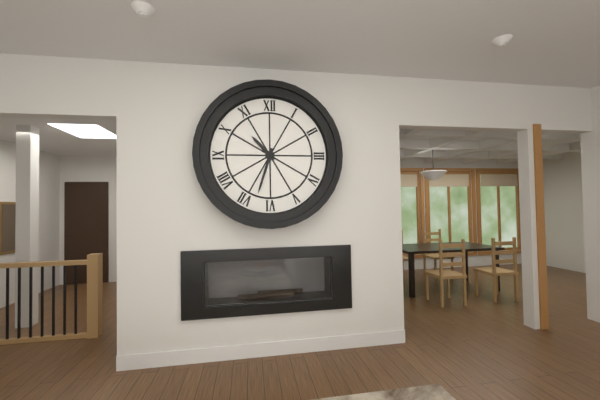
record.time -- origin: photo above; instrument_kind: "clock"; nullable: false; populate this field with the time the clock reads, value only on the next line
10:33
